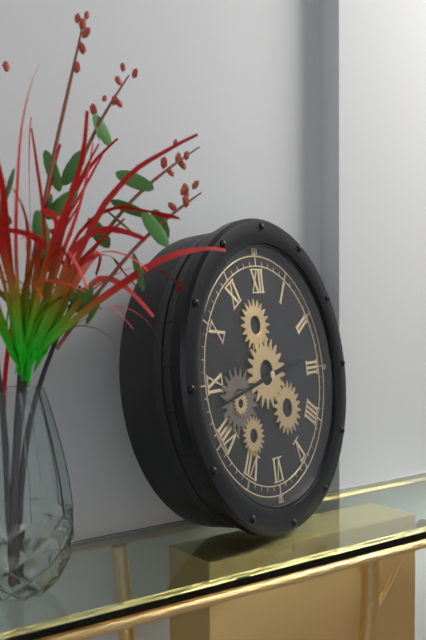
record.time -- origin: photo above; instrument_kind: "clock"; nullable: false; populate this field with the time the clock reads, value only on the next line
2:43
